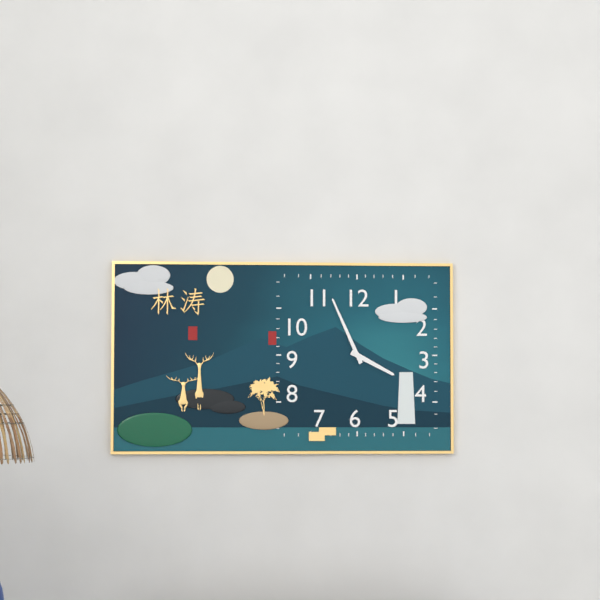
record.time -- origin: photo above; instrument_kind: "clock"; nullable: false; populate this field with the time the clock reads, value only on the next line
3:56
